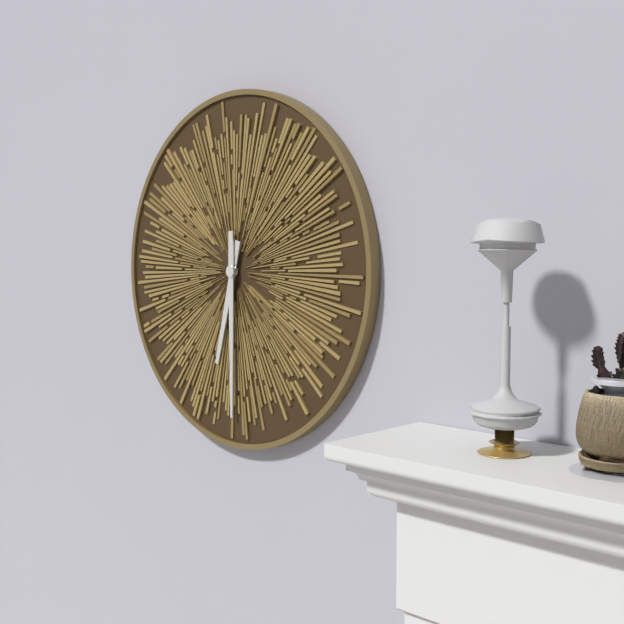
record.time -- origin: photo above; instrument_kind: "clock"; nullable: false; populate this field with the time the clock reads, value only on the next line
6:30
